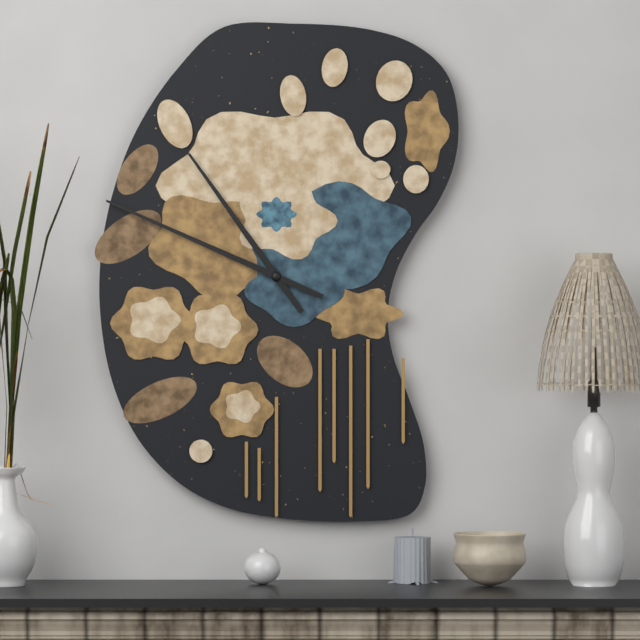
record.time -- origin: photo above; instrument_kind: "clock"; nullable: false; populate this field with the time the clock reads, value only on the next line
10:49
